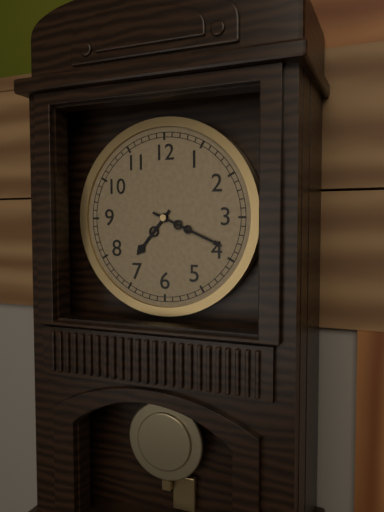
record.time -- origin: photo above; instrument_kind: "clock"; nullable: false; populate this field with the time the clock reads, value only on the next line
7:19
